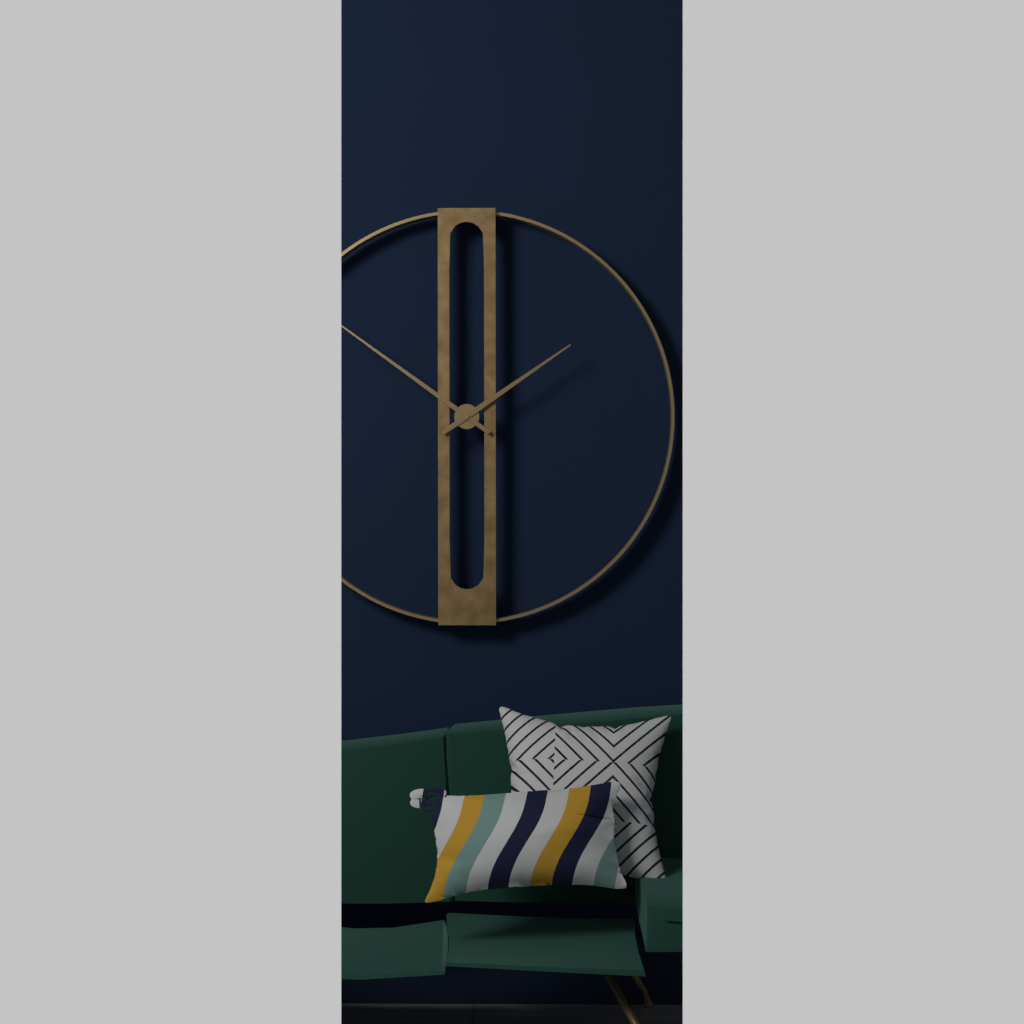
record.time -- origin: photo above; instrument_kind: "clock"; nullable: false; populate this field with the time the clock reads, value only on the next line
1:51
